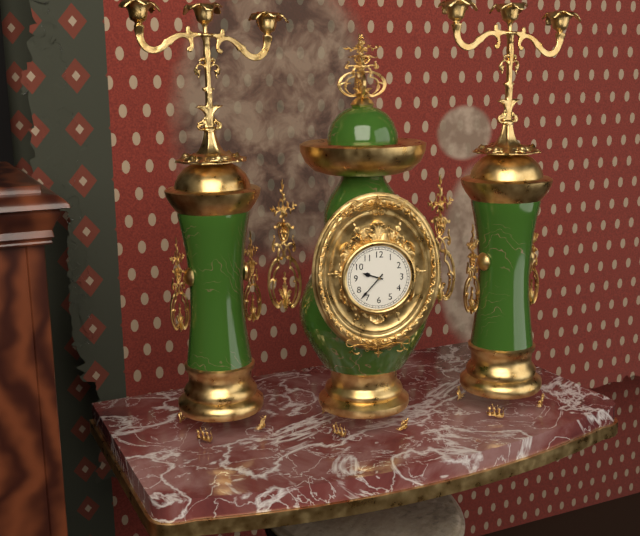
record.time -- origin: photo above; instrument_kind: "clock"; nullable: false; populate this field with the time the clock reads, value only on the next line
9:37
